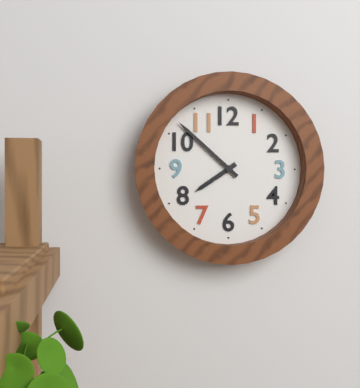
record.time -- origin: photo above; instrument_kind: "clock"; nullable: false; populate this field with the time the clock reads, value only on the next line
7:52
